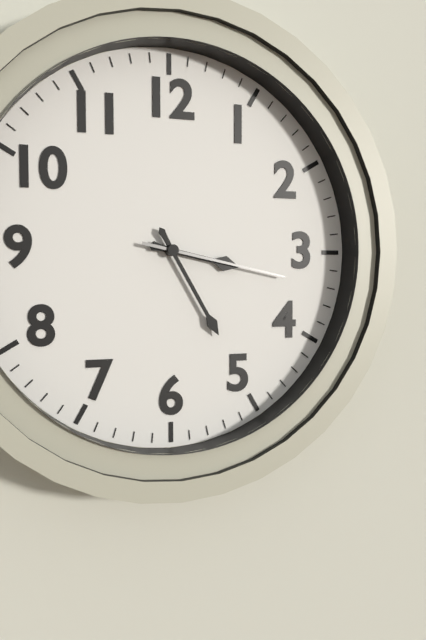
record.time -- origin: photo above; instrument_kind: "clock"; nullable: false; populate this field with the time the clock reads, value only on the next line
3:25:17
